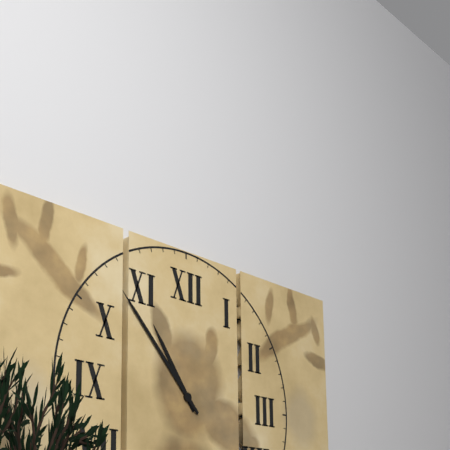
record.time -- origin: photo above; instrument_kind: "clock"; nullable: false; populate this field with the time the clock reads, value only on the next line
10:53
